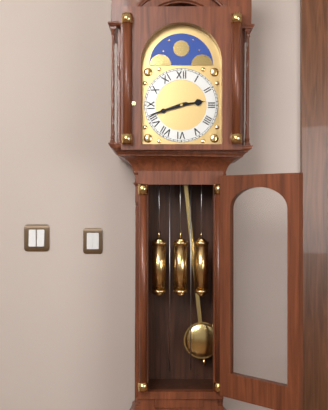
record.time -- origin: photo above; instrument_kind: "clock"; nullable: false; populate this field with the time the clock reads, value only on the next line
2:42
